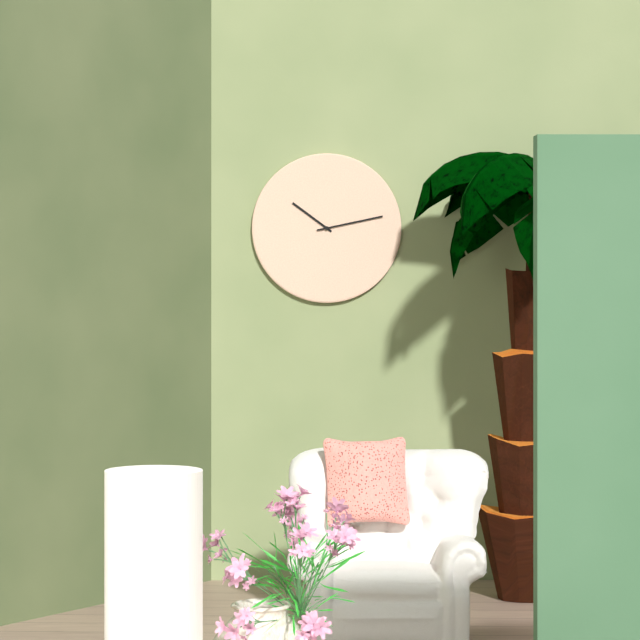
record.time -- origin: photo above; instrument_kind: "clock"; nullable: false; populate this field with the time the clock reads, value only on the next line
10:13
